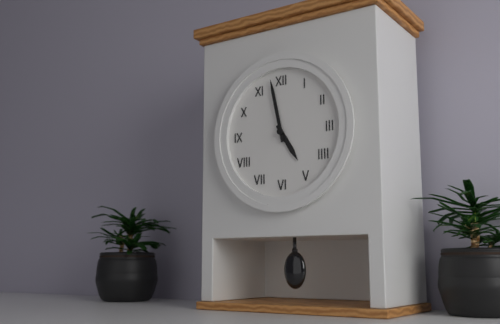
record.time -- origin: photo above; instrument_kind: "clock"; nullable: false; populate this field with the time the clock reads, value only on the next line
4:58
